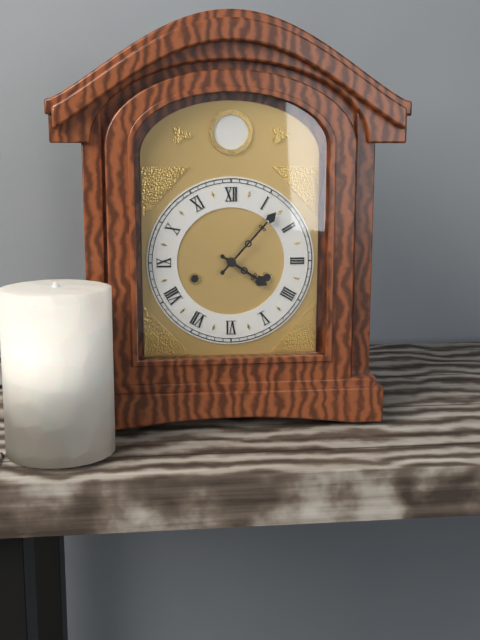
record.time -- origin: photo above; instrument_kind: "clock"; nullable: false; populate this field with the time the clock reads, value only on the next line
4:07
